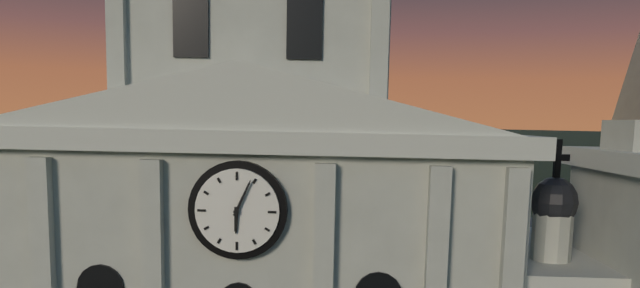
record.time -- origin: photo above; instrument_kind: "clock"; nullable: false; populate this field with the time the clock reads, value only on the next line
6:04
